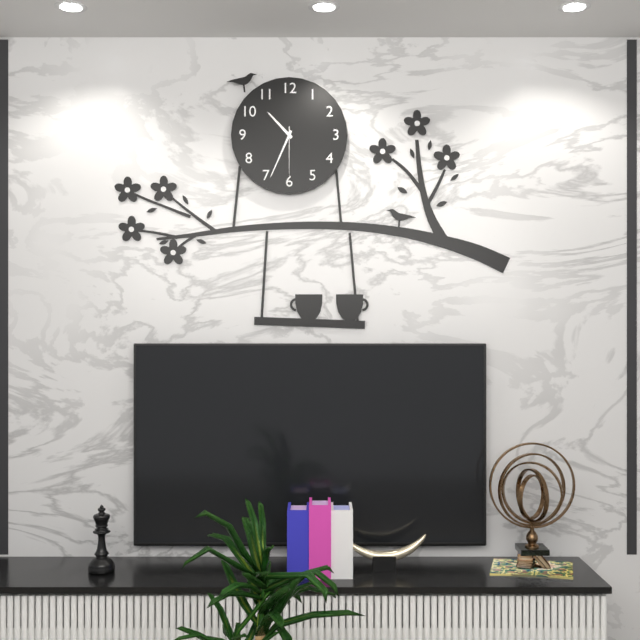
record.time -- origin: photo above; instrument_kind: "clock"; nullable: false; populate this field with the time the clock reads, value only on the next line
10:34:30
